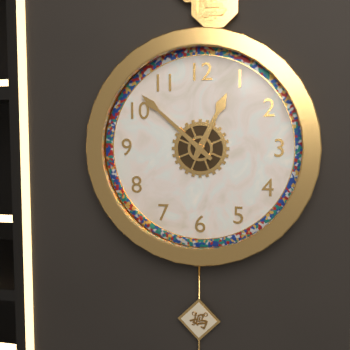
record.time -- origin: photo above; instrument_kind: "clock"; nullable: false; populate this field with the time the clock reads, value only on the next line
12:52
